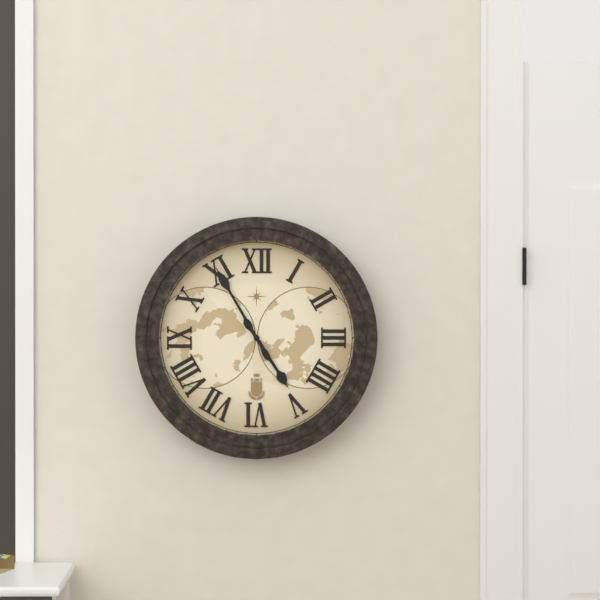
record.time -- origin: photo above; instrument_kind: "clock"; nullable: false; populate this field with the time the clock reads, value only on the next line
4:55
